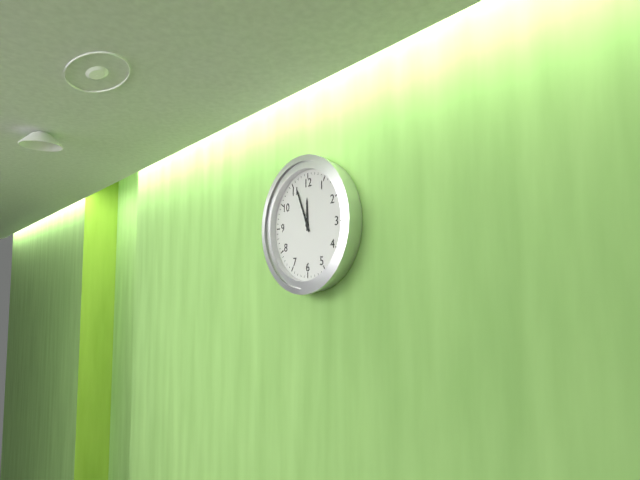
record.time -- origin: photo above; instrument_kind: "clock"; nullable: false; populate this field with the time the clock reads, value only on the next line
11:56
